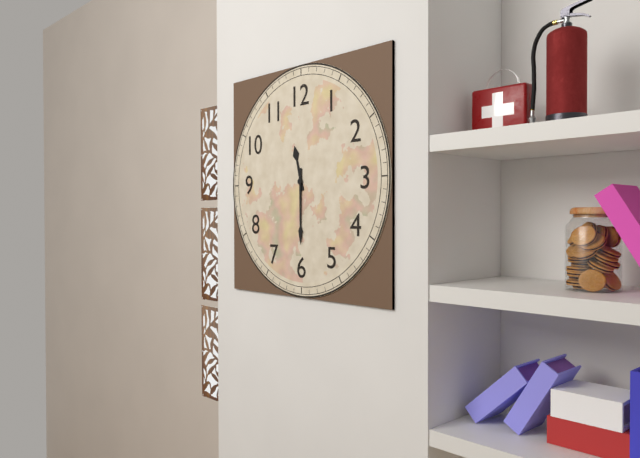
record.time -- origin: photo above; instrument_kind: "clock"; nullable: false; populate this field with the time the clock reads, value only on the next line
11:30
